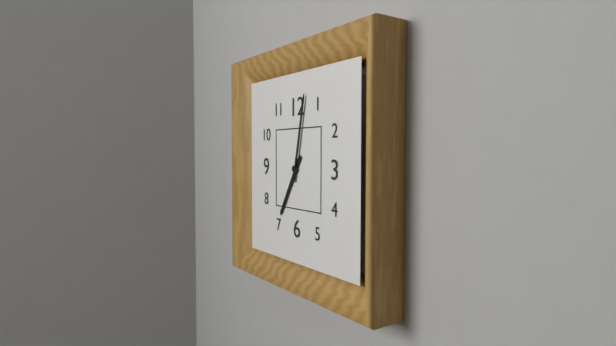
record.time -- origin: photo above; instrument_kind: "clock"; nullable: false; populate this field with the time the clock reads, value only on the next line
7:02
